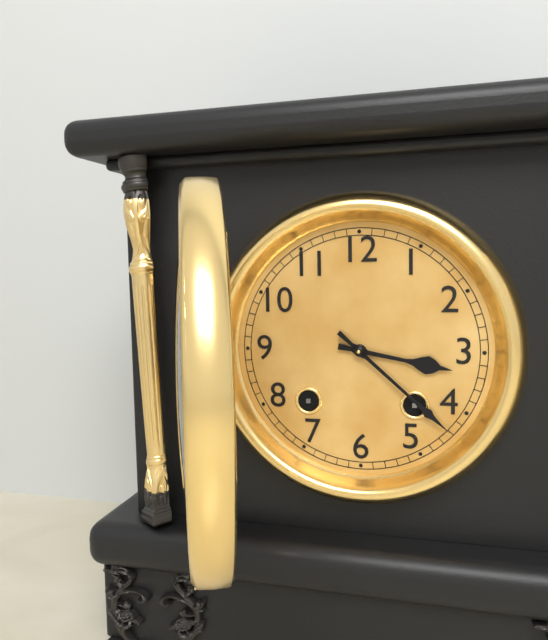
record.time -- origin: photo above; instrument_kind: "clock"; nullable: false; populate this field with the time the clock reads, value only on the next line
3:22
